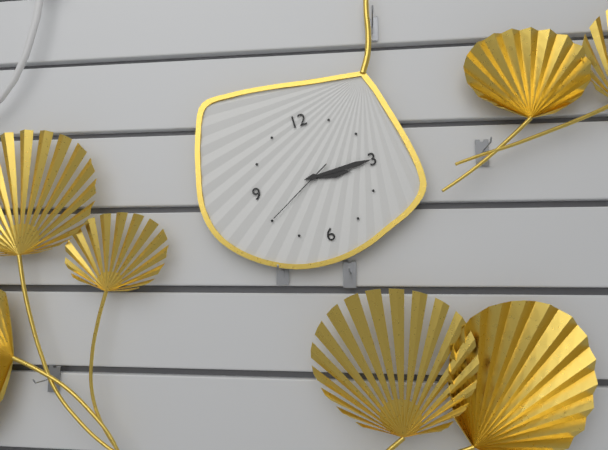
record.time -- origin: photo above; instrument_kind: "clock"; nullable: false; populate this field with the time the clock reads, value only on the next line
3:15:40
